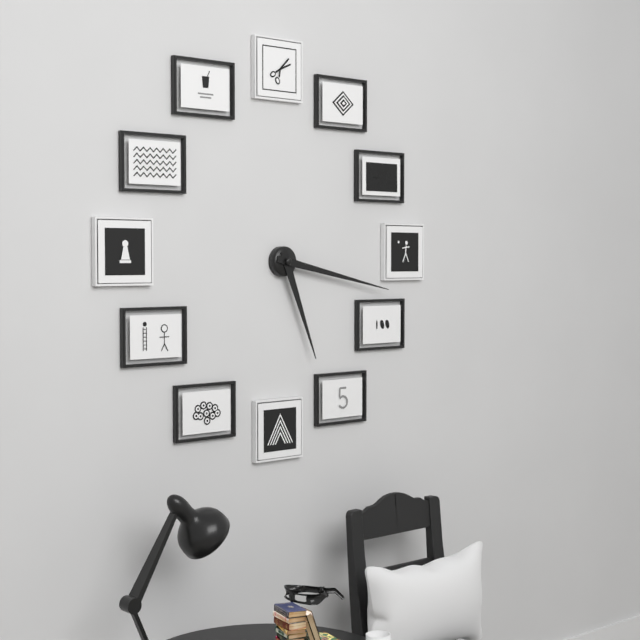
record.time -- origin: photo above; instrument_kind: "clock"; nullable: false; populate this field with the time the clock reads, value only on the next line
5:17
